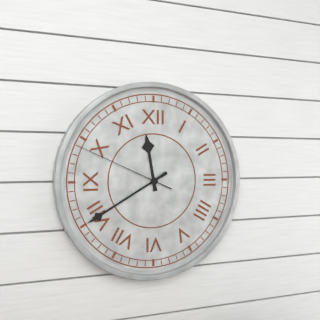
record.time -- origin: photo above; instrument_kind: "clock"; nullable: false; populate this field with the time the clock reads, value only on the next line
11:40:49
